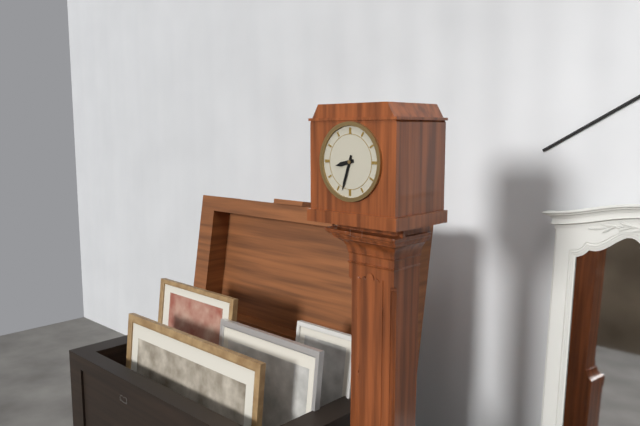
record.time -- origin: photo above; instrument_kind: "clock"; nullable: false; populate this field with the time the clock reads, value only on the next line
8:33
